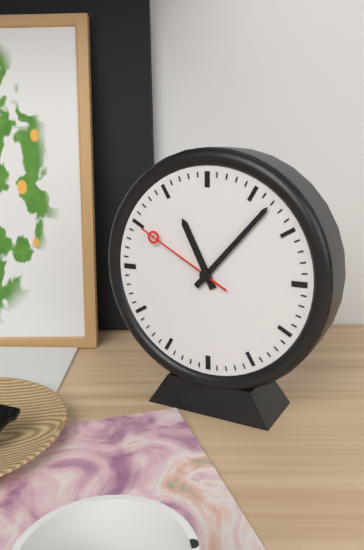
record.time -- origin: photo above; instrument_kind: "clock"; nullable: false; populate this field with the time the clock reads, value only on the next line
11:07:50
